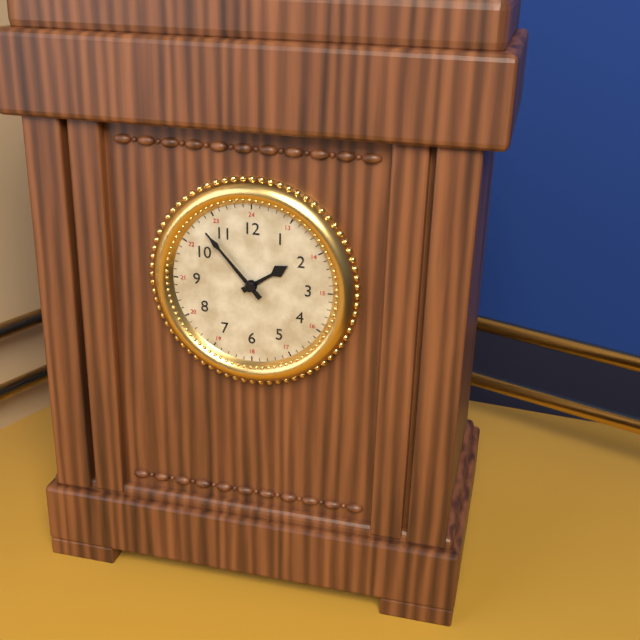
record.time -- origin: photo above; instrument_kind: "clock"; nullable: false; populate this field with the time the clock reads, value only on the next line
1:53
